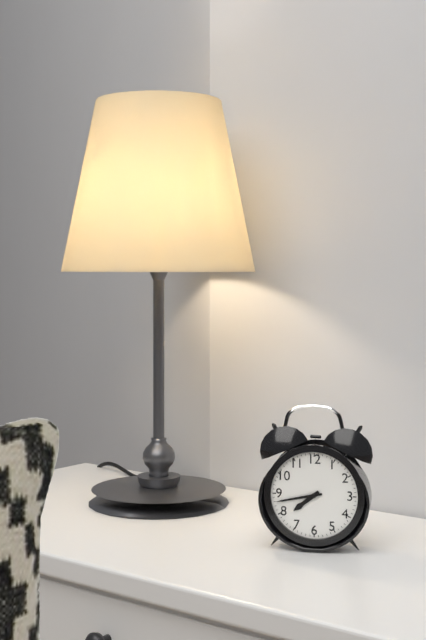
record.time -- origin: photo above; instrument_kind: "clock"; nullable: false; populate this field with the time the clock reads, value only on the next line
7:43
